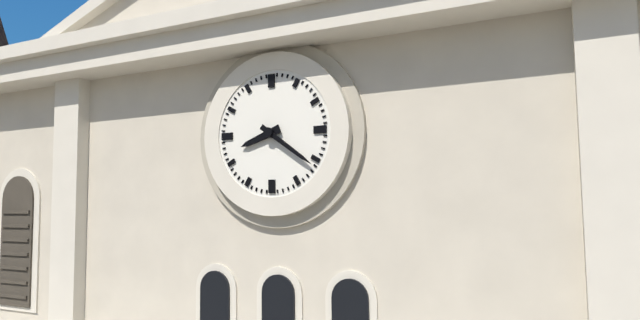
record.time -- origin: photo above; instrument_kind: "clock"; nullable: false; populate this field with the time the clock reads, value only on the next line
8:21
